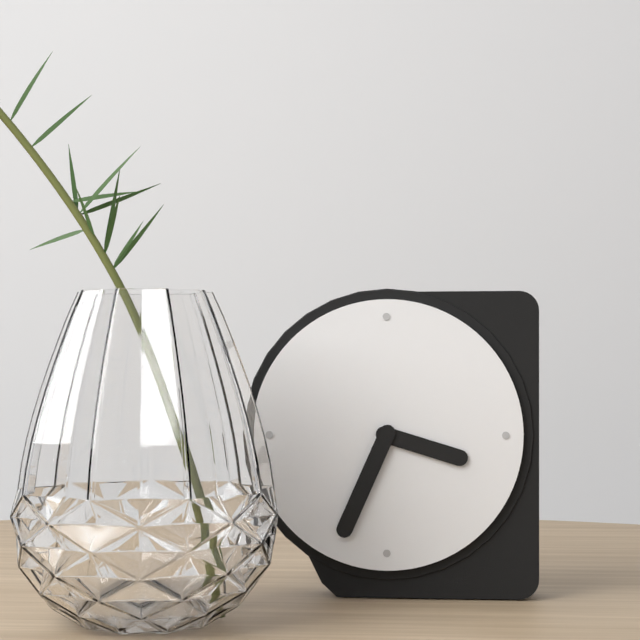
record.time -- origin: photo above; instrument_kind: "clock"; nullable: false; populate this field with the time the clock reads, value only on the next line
3:34
